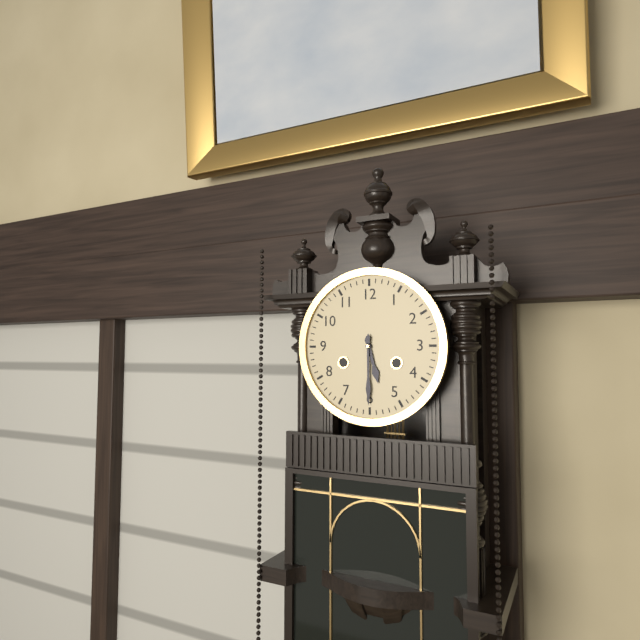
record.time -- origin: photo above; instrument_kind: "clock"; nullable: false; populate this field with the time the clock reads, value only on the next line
5:30
